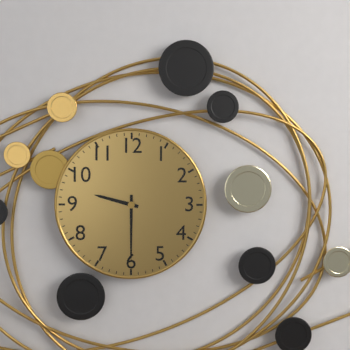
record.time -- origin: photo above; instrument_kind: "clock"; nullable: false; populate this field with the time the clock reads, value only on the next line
9:30
